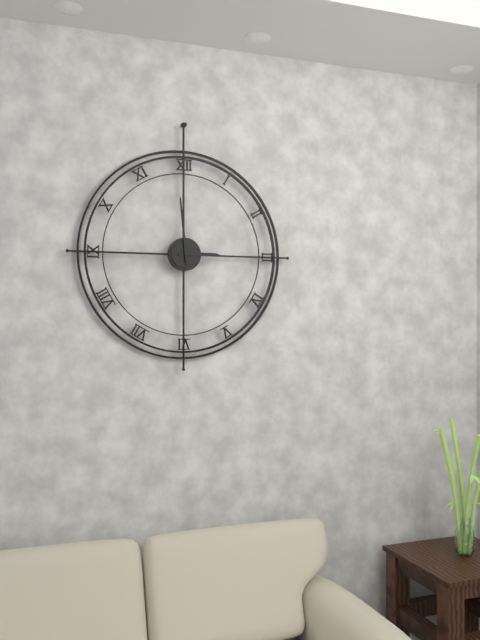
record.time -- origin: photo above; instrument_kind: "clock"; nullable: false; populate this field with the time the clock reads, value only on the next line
2:59
